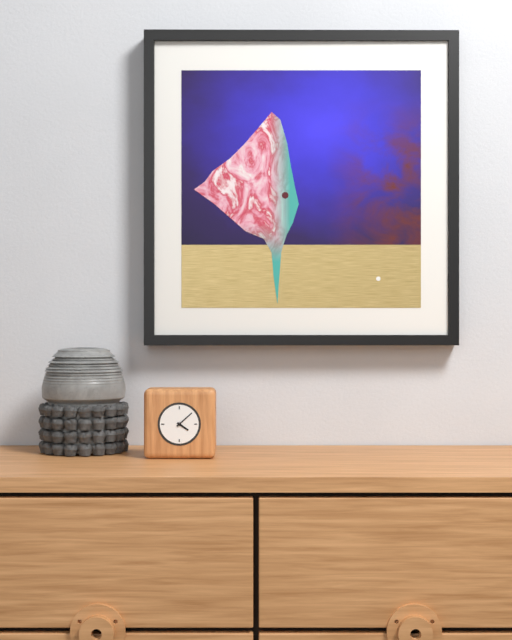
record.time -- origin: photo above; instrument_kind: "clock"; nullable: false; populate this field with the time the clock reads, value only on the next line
4:08
